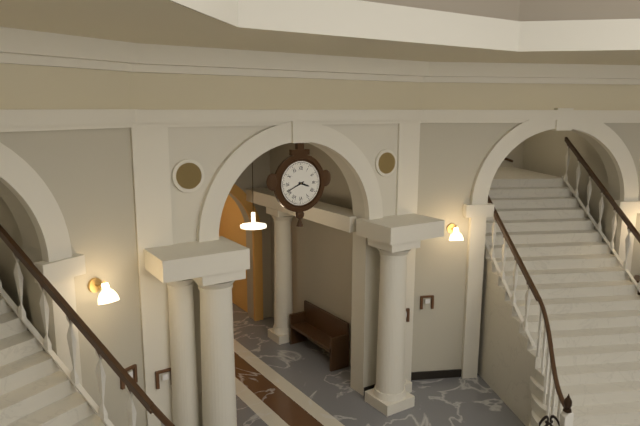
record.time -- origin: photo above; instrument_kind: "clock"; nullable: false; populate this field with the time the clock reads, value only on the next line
3:41
